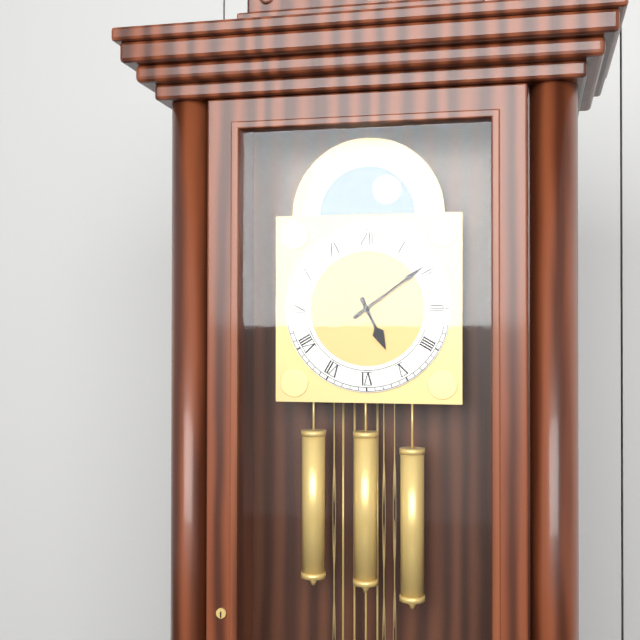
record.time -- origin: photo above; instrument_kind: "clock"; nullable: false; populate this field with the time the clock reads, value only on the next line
5:09
